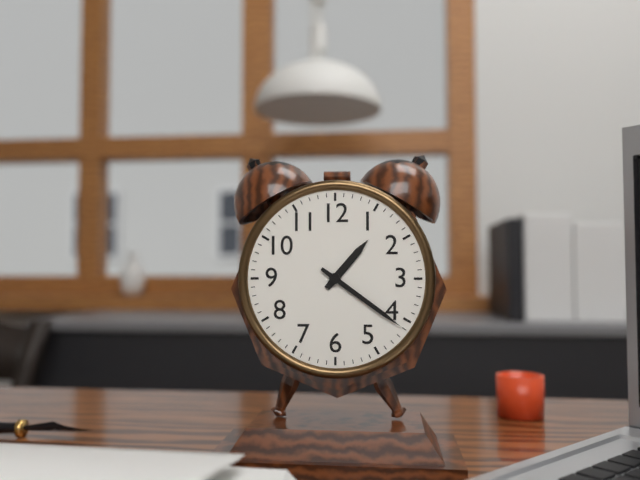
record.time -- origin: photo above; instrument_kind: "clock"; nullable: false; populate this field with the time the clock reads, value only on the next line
1:21
